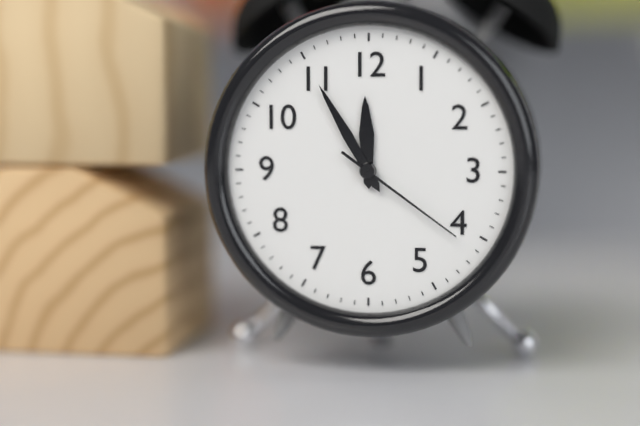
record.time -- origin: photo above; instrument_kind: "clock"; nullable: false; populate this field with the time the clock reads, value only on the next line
11:55:21
